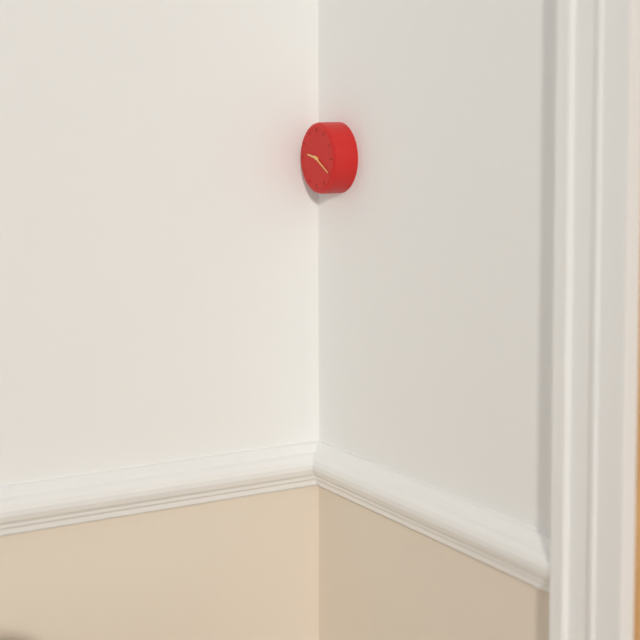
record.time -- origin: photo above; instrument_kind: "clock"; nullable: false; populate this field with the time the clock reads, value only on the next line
9:20
